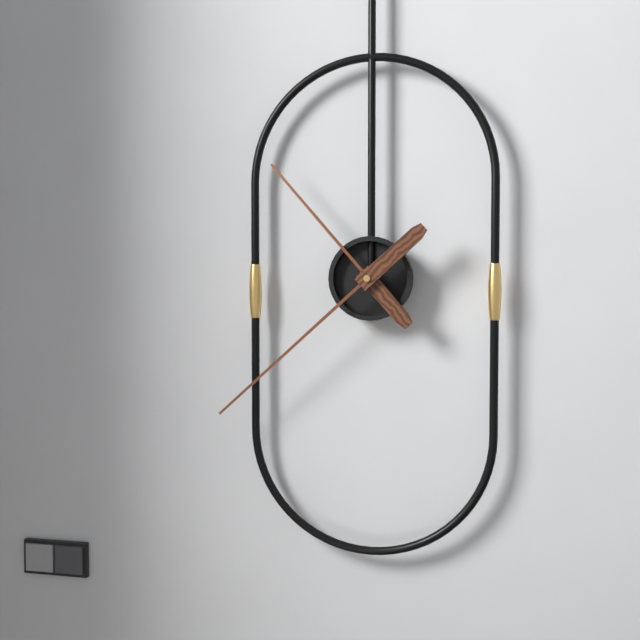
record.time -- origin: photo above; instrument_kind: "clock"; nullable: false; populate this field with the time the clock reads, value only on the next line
10:38
